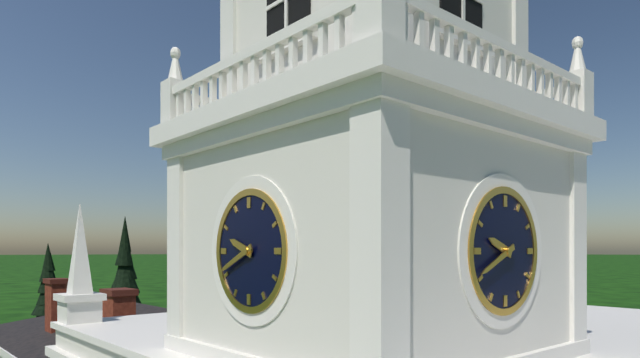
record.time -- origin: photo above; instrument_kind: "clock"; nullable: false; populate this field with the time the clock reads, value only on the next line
9:41
